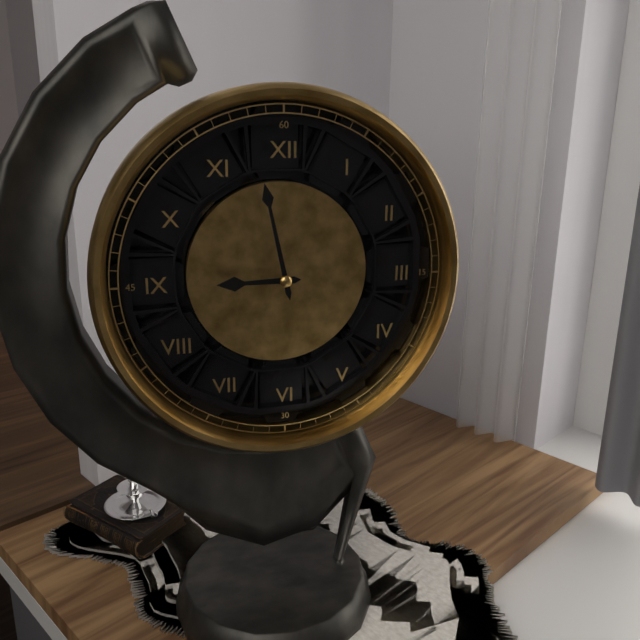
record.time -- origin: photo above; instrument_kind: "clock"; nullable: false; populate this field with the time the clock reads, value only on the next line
8:58
